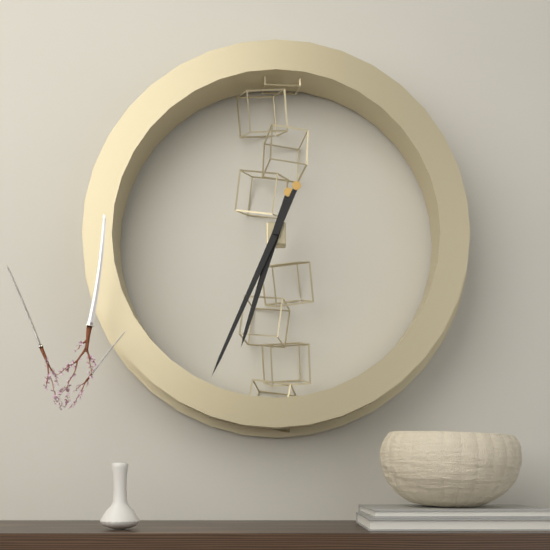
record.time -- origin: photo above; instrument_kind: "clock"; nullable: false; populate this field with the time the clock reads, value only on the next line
6:34
